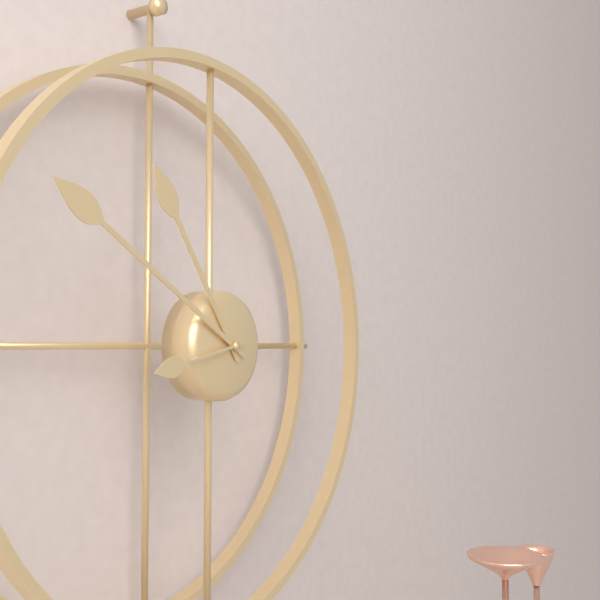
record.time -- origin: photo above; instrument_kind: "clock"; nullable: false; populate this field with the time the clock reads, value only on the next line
10:50:43
